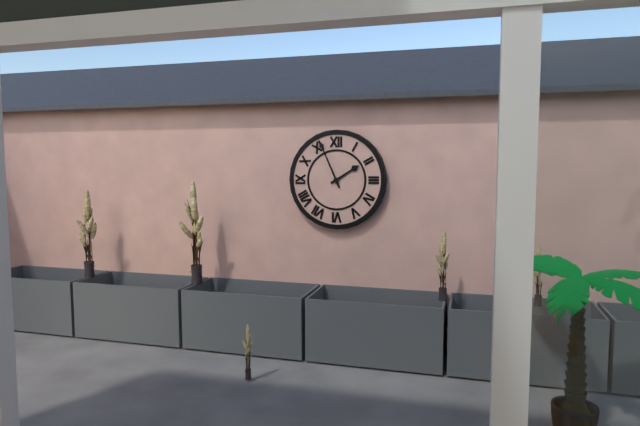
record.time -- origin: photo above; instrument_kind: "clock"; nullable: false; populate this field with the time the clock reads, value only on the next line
1:56
